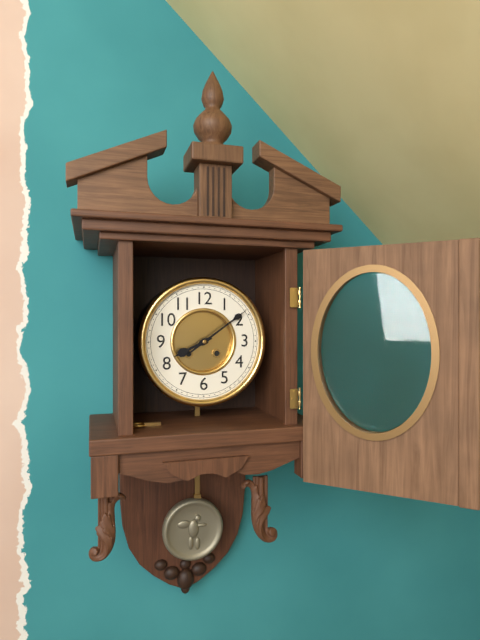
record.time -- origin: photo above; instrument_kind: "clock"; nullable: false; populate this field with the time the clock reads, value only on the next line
8:09
